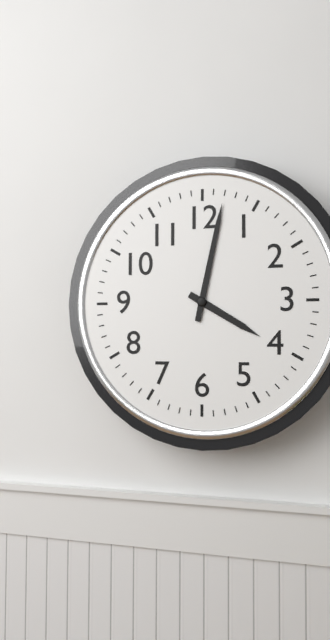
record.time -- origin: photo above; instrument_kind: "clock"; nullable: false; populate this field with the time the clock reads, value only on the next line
4:02
